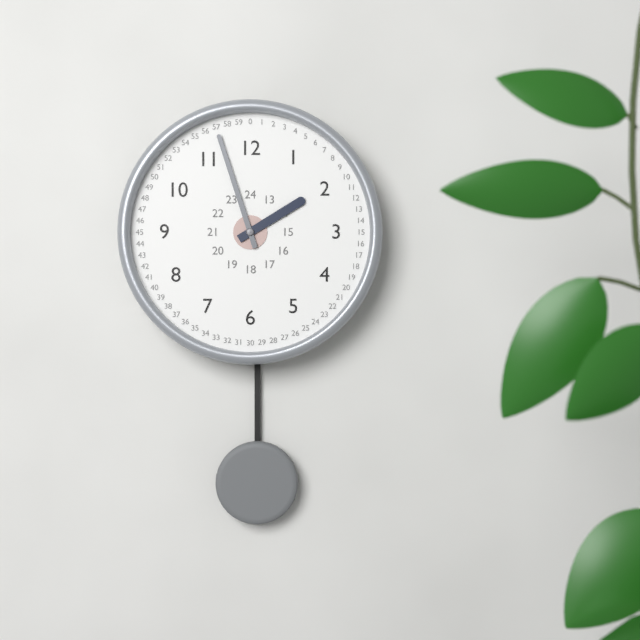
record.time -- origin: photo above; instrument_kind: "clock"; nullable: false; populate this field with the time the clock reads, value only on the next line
1:57
